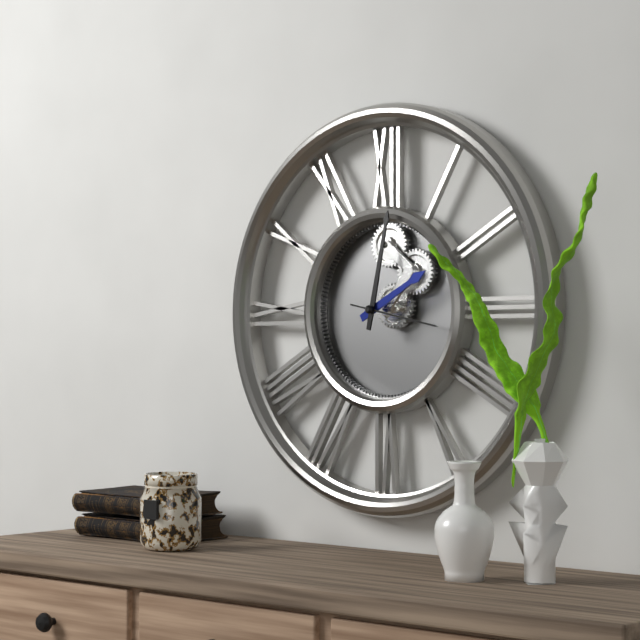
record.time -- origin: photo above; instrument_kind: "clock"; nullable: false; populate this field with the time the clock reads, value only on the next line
2:02:17
